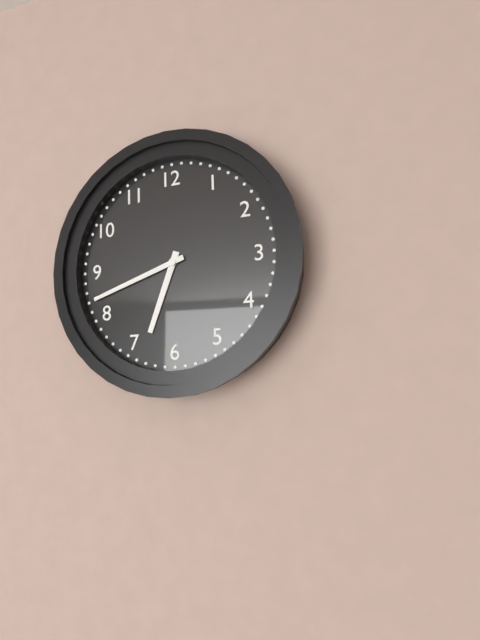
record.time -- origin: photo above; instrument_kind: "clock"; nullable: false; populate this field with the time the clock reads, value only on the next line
6:42
